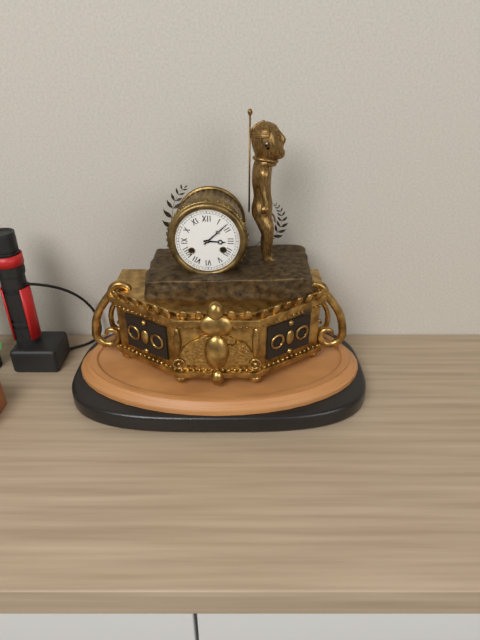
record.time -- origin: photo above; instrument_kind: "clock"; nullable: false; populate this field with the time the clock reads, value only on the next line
3:08
